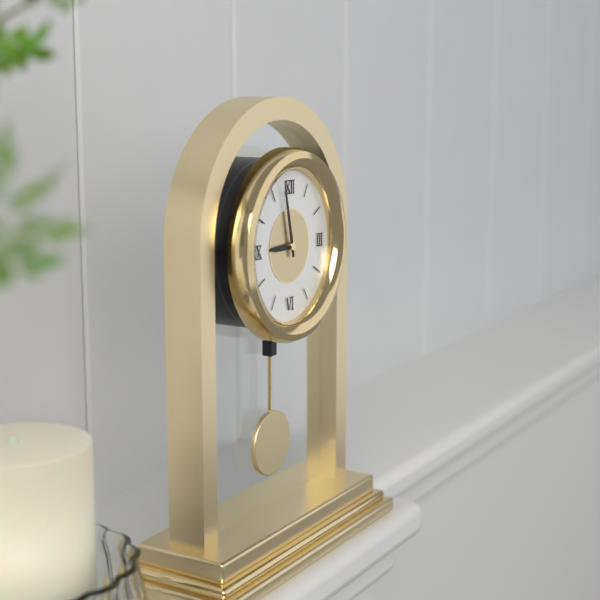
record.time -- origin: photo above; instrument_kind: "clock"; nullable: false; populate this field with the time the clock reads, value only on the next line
8:58
